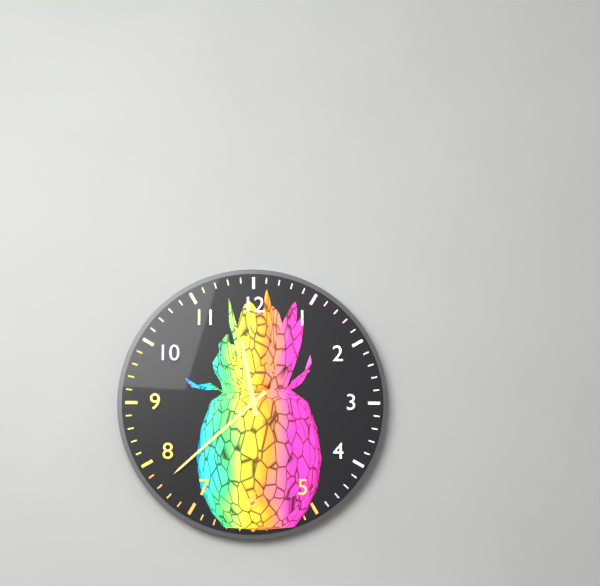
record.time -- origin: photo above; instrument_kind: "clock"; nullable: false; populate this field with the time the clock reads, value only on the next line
11:38
